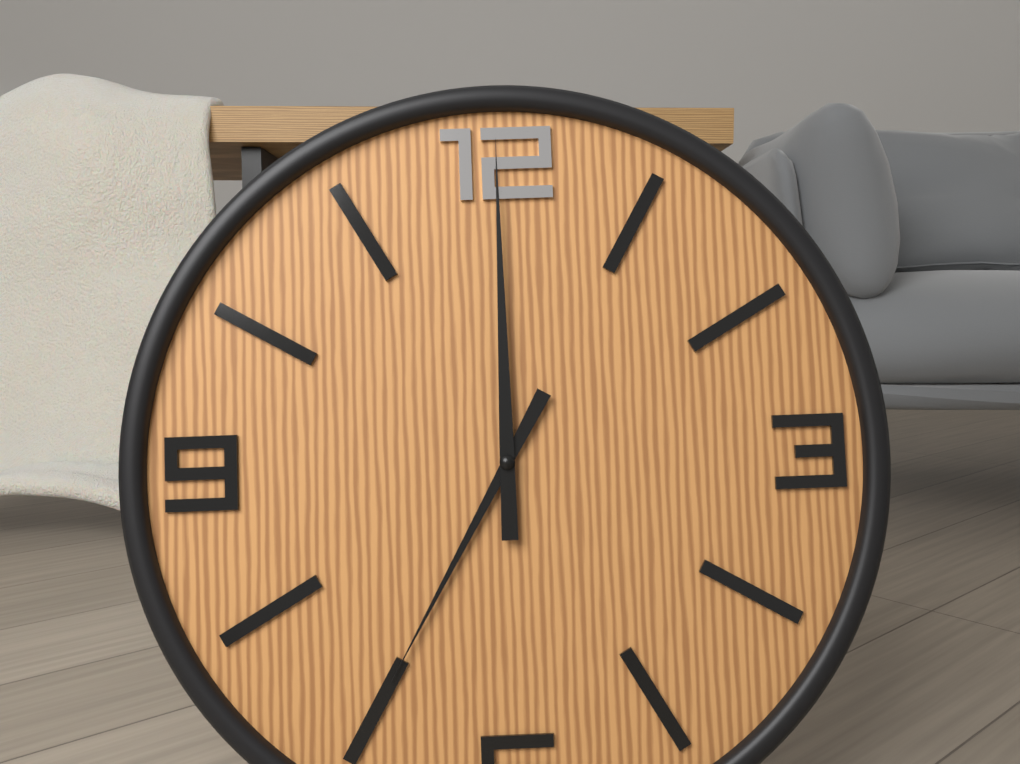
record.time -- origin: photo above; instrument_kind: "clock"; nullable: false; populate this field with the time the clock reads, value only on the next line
7:00
